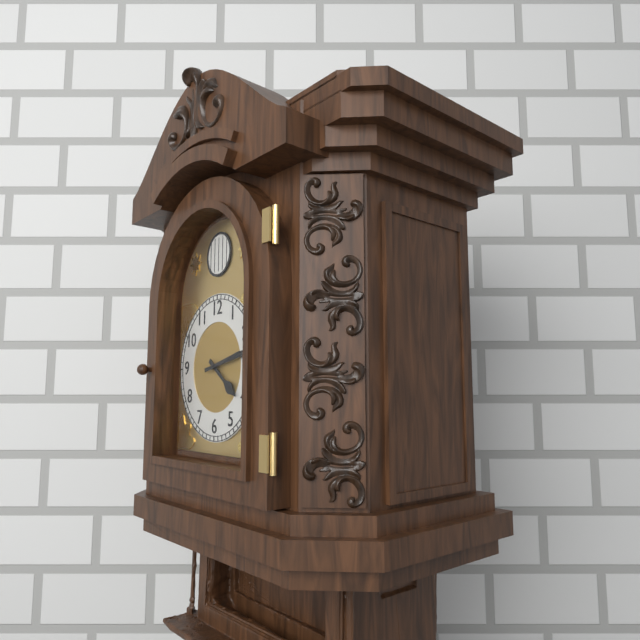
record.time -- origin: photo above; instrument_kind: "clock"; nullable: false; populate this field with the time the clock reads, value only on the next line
4:13
